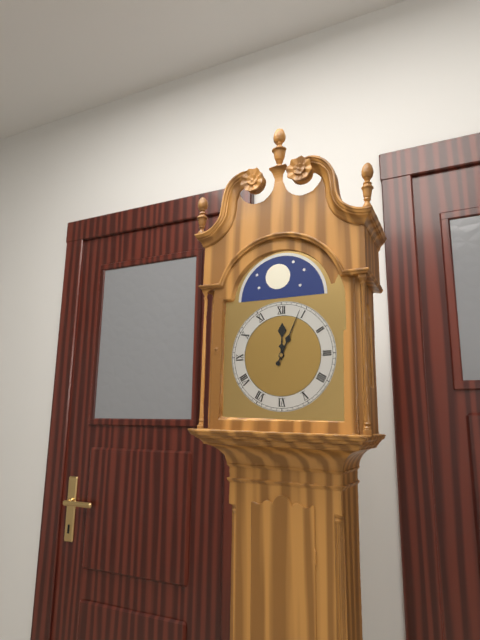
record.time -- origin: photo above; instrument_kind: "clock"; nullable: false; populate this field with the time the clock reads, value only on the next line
12:04
